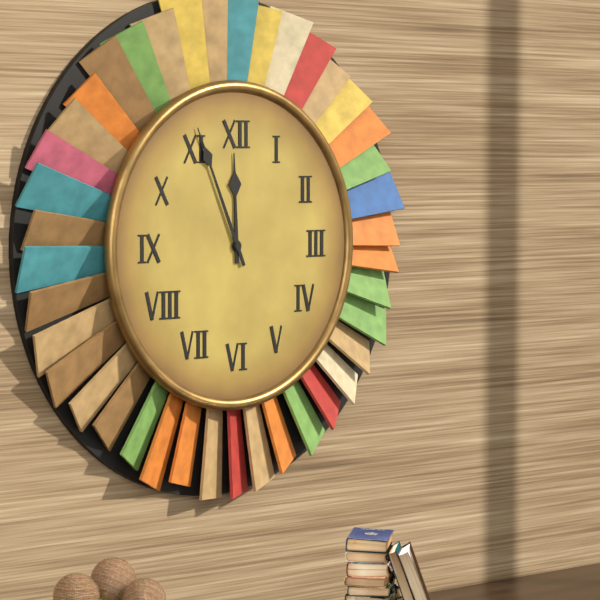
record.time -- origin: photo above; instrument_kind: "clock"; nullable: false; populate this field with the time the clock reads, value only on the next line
11:56
